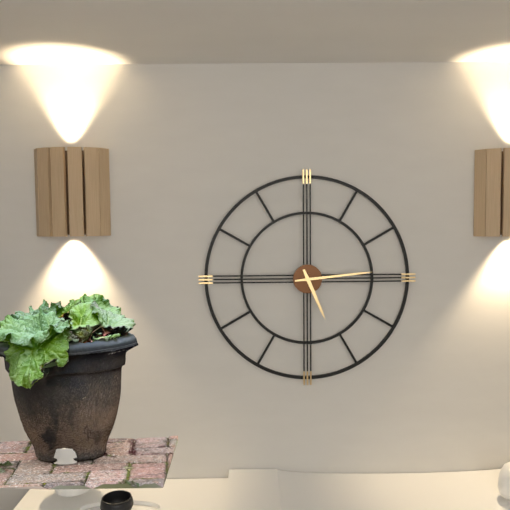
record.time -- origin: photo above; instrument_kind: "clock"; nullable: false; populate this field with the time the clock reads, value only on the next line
5:14
